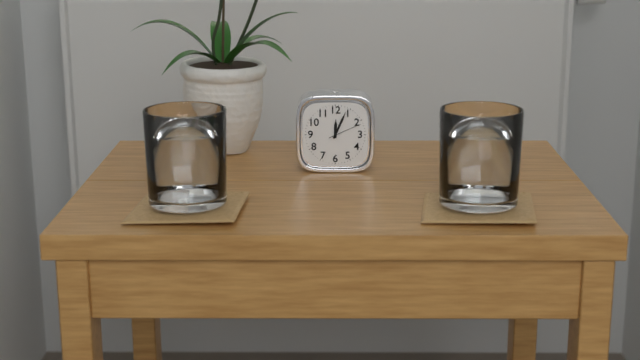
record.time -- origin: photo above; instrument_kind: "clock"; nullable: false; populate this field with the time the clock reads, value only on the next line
12:04
